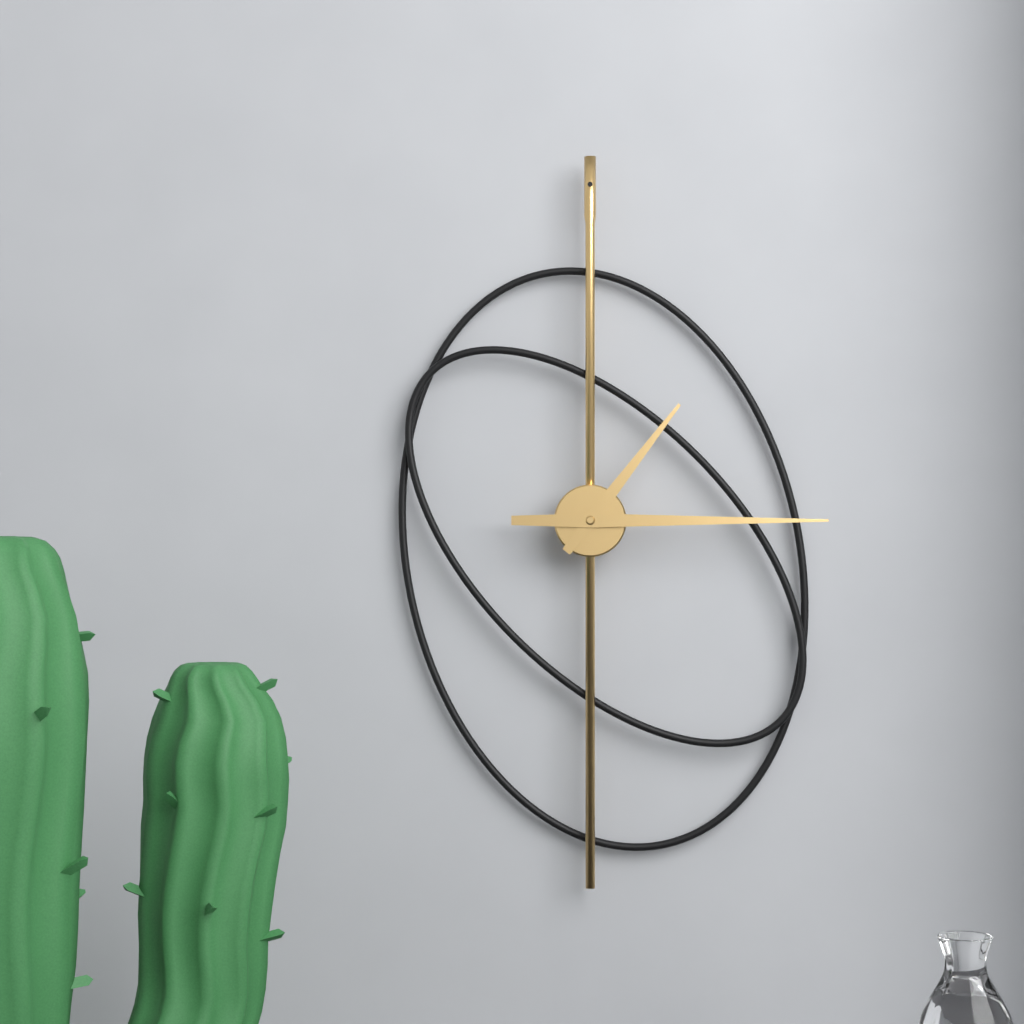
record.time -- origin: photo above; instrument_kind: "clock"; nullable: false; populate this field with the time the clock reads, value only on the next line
1:15
